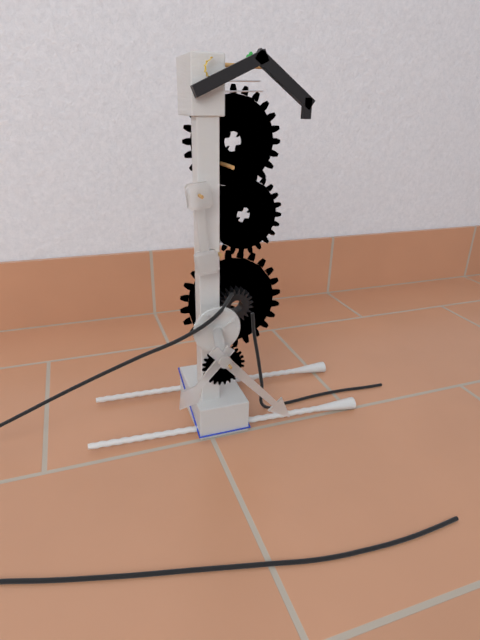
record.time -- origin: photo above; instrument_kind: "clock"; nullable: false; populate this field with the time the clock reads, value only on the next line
7:23
